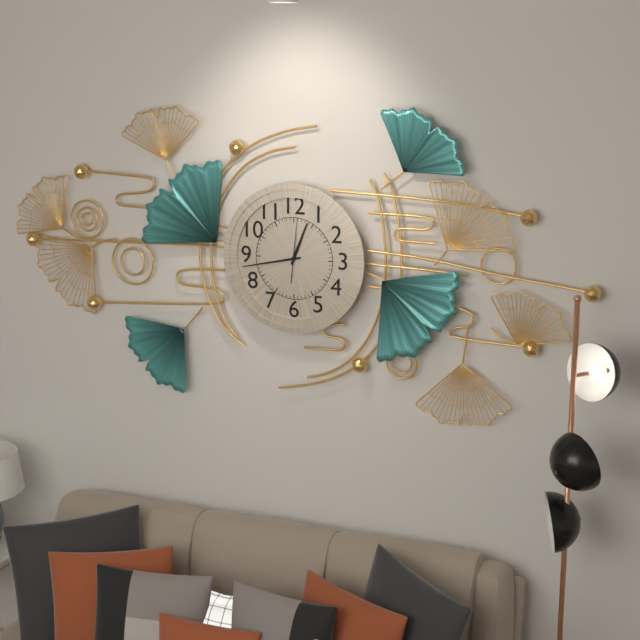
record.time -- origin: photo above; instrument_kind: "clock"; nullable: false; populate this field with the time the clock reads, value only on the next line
12:43:01
